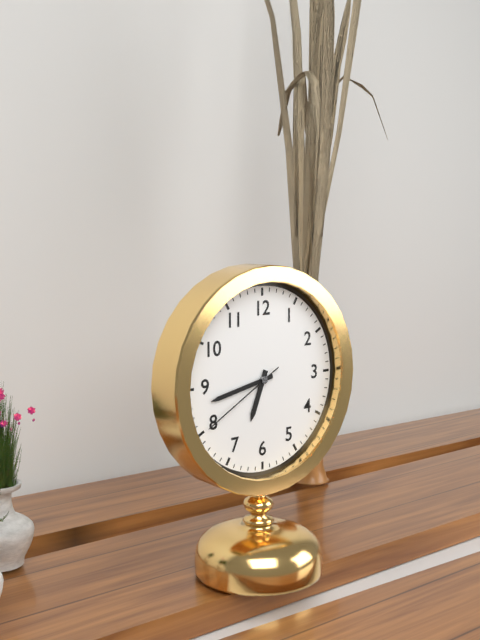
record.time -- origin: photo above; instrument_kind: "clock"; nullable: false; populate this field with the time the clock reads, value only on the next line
6:43:40
